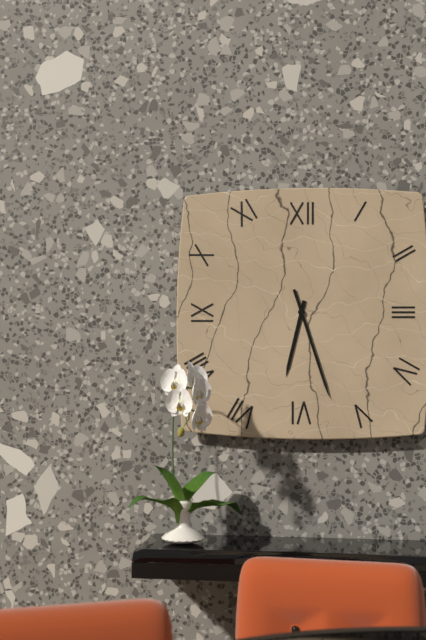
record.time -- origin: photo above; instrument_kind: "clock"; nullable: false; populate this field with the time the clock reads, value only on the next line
6:27
